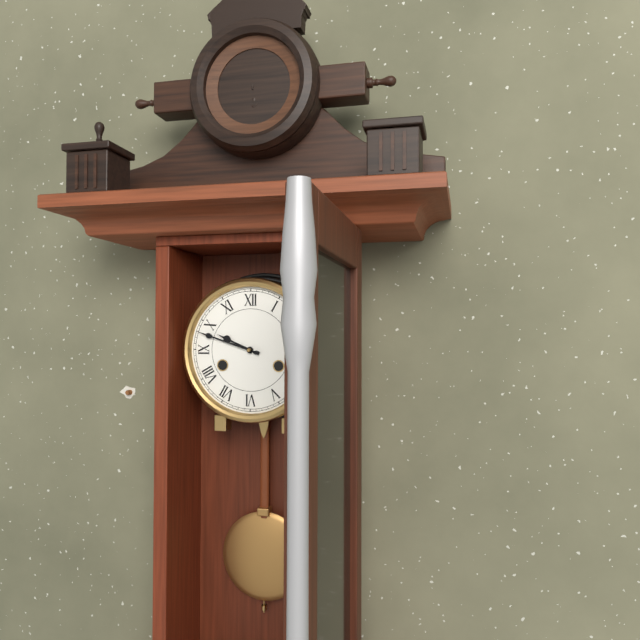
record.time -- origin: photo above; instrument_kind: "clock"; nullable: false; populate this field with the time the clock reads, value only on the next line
9:48
